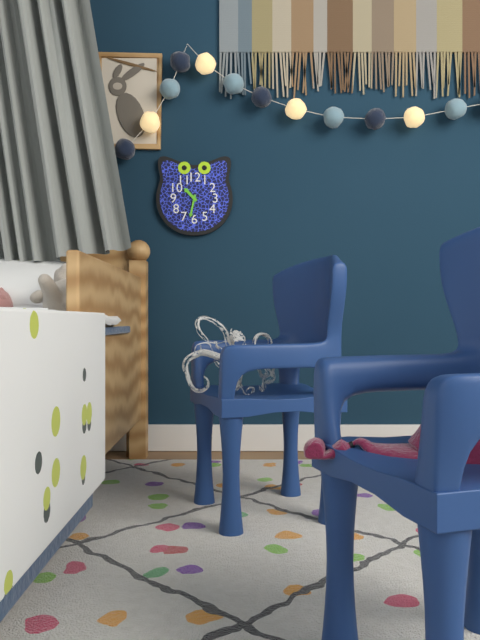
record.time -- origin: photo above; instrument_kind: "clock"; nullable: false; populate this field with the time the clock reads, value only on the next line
10:32
